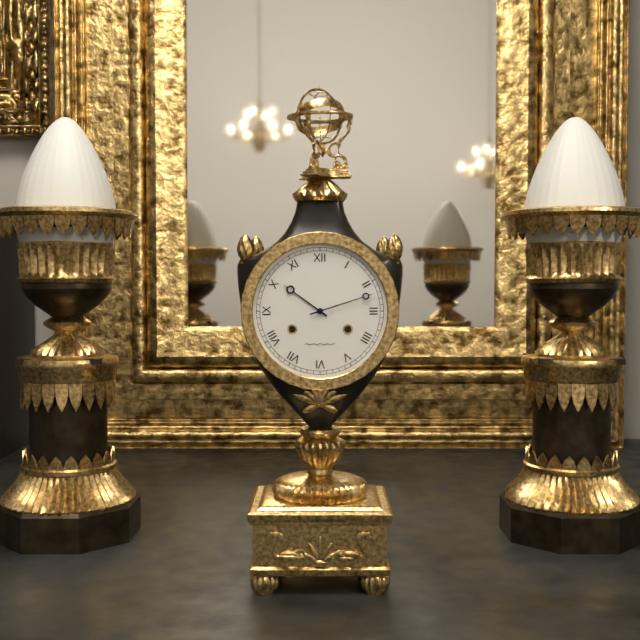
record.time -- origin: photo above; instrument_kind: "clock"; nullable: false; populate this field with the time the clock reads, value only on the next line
10:12
